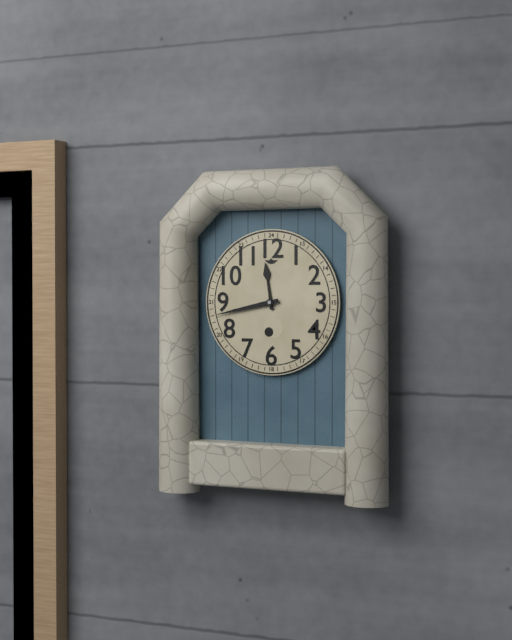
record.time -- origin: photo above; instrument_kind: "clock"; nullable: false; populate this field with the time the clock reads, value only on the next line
11:43
